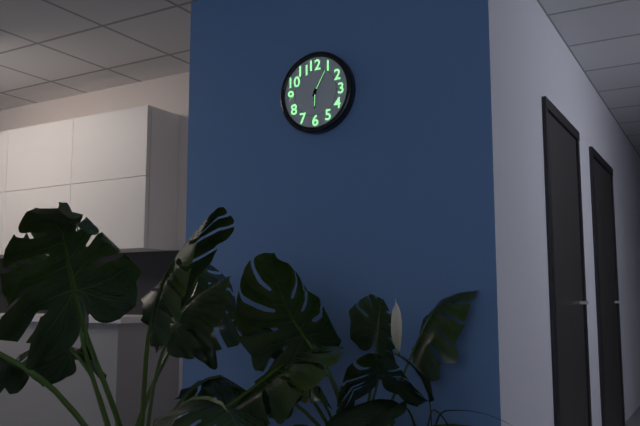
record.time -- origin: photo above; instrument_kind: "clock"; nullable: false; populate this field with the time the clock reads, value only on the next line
6:05
